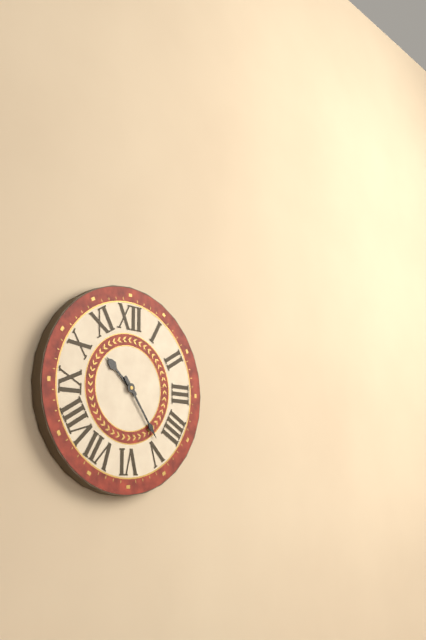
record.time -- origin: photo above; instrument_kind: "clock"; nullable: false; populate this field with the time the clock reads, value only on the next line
10:24
